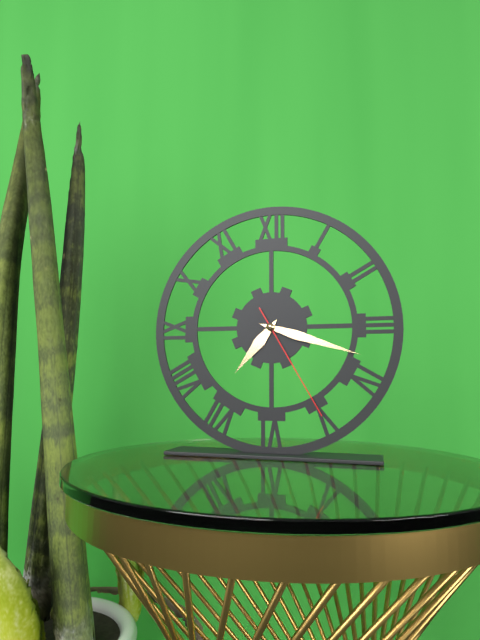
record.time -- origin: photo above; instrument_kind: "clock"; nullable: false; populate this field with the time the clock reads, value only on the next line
7:18:25
